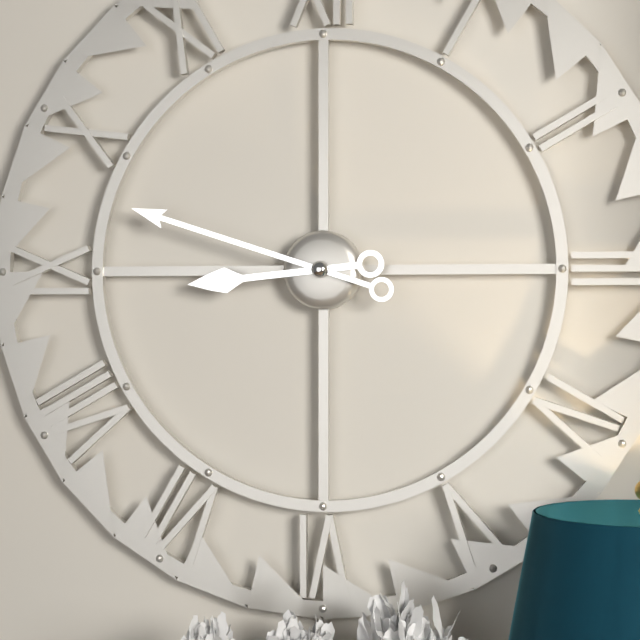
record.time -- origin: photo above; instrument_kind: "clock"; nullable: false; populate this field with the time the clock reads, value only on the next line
8:48
